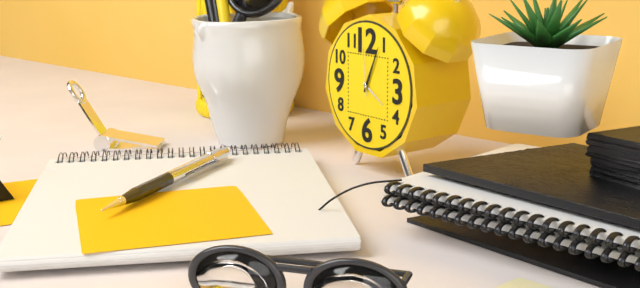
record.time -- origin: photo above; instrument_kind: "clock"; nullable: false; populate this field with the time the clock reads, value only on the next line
4:04:59
